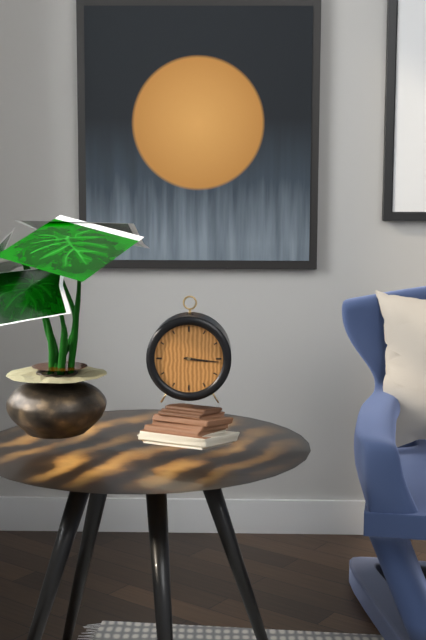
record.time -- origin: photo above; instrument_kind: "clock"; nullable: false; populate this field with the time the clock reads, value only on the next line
3:16
